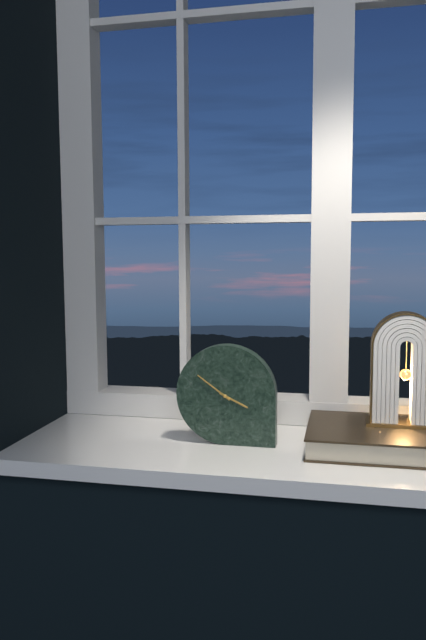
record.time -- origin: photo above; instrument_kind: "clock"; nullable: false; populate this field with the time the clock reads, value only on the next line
3:51
